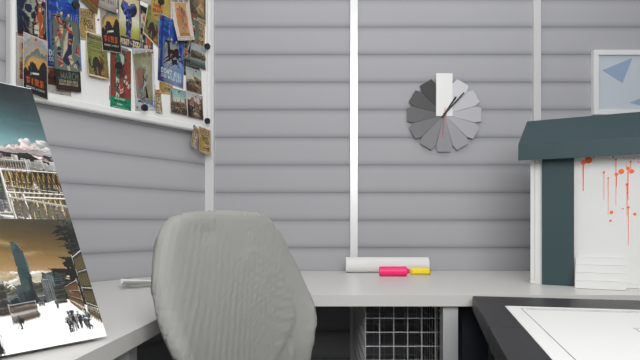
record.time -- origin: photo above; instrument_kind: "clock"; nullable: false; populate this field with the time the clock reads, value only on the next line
1:07
